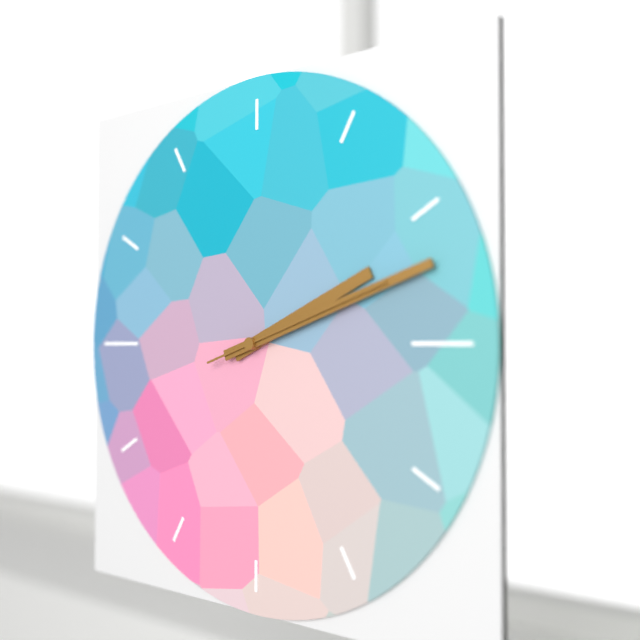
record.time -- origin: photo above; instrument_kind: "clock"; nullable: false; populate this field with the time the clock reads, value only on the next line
2:12:12
